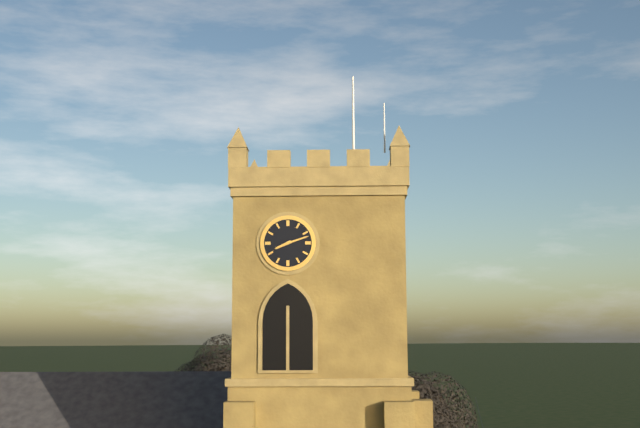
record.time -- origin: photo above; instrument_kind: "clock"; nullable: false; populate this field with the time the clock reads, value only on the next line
8:12
